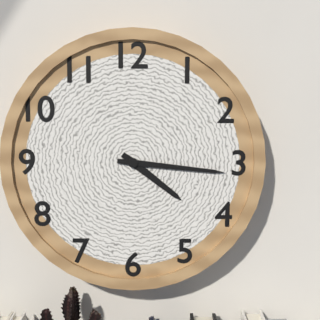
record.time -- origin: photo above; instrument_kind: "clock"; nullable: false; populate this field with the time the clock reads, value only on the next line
4:16
